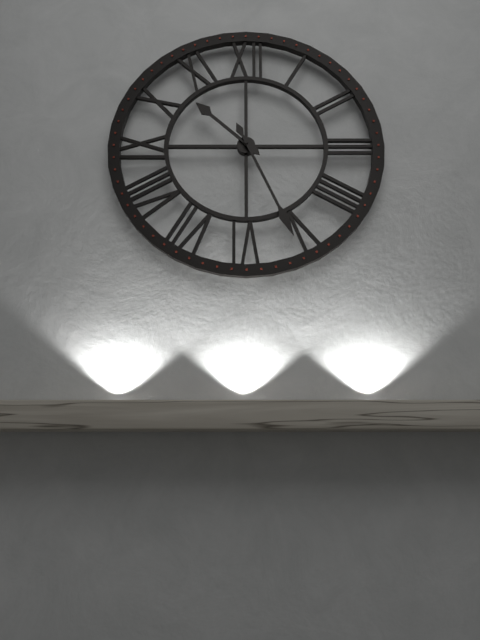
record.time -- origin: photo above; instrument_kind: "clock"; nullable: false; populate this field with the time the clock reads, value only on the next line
10:26
